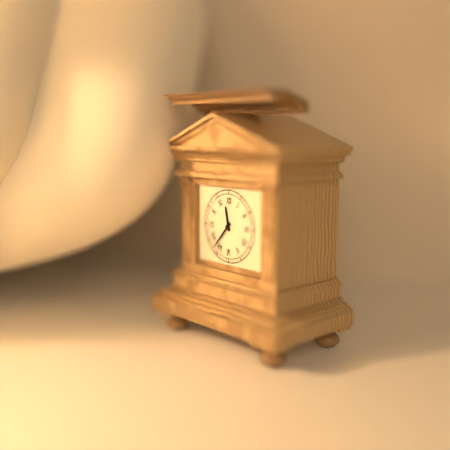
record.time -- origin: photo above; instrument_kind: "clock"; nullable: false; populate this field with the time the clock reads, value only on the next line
11:37
